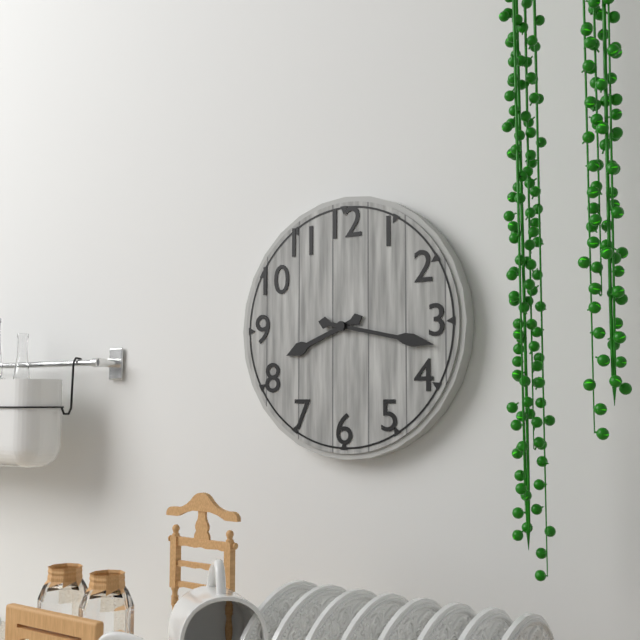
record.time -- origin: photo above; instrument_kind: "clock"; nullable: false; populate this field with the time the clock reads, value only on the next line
8:17
